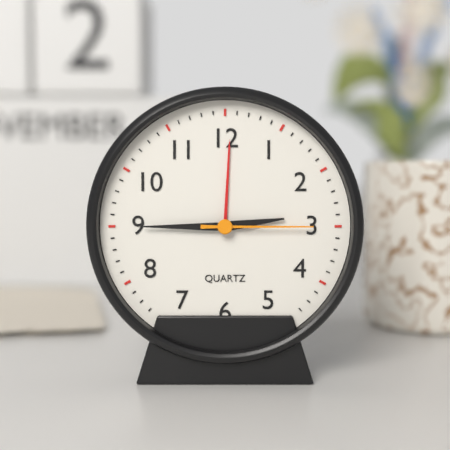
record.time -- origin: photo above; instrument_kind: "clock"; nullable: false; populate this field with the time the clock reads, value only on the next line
2:45:15
